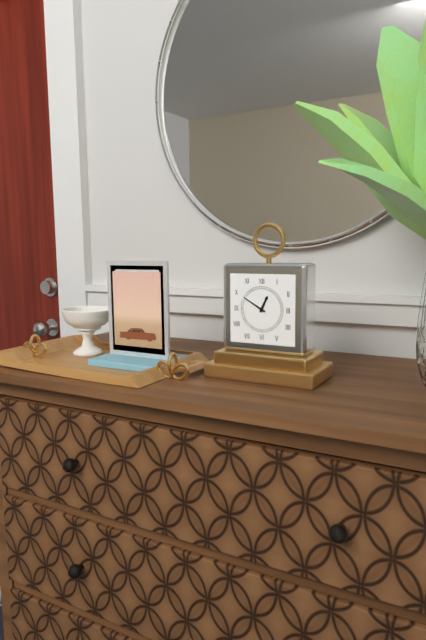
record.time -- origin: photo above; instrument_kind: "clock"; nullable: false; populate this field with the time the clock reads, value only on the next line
12:50
